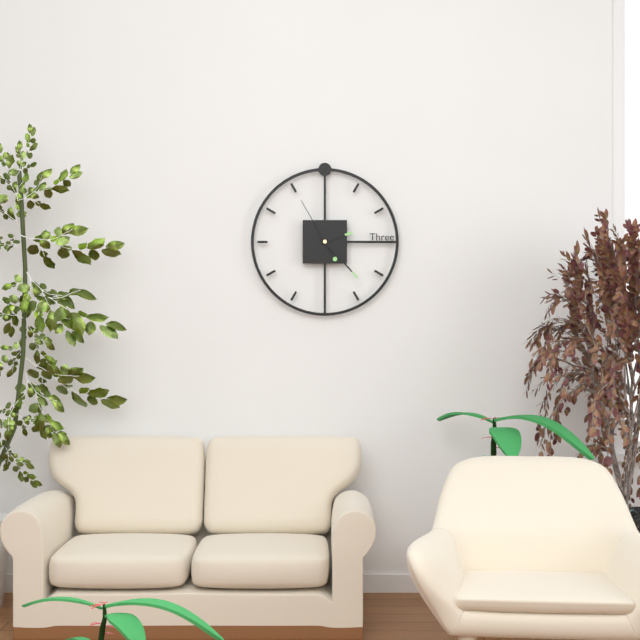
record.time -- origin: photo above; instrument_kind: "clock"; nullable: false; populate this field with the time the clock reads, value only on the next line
2:23:55
